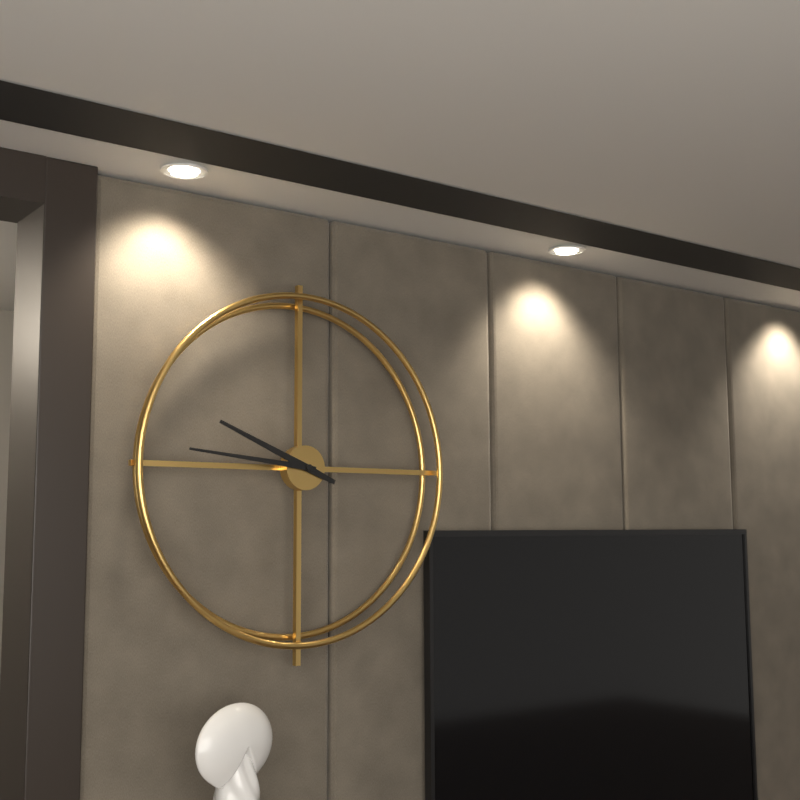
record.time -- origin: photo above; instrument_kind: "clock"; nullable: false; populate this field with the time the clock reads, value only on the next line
9:46
